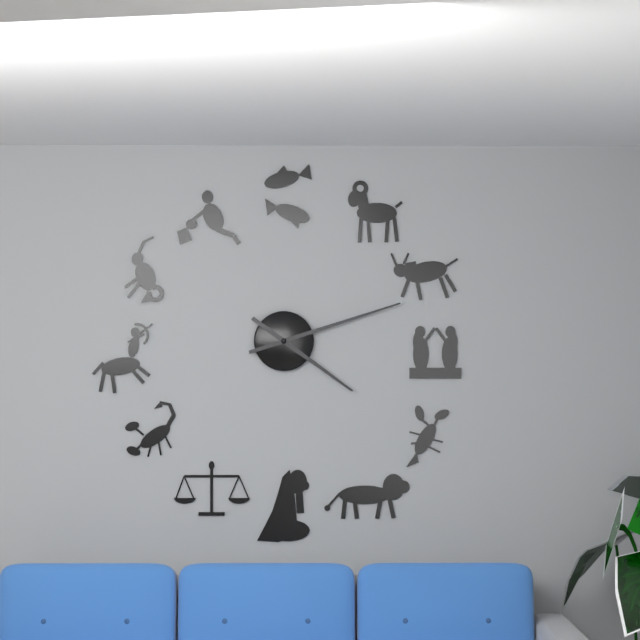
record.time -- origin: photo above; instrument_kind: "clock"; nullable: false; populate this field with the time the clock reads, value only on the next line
4:12
